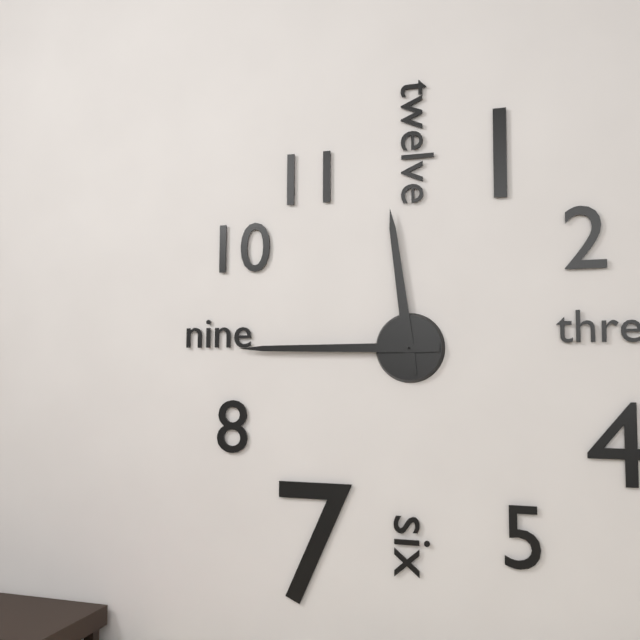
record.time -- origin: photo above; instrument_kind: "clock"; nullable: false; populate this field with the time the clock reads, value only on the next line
11:45
